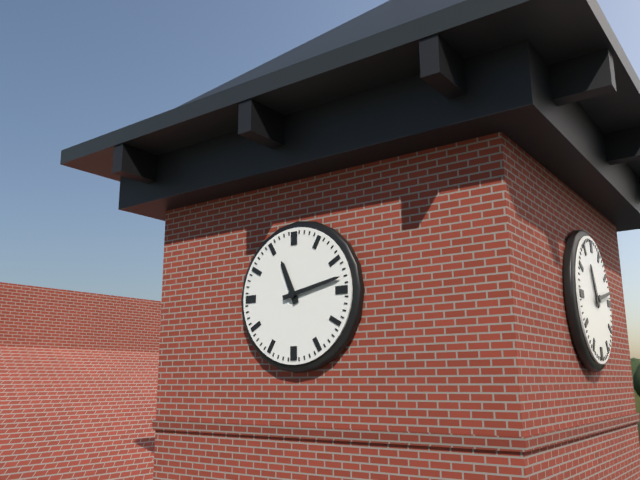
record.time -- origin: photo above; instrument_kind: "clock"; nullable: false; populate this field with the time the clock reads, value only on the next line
11:13
